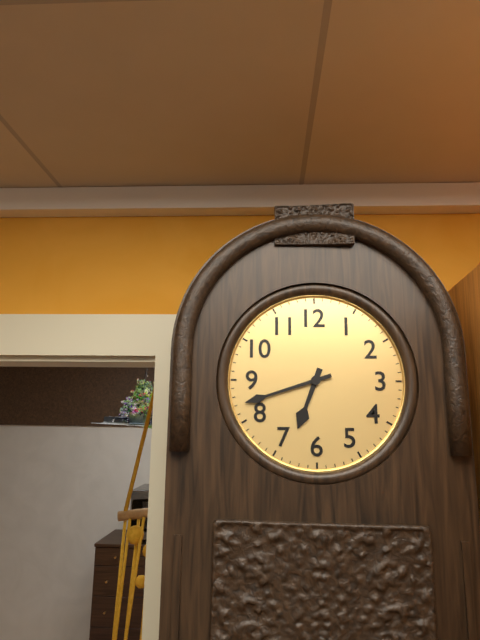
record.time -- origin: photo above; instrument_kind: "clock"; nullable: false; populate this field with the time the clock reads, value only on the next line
6:42
